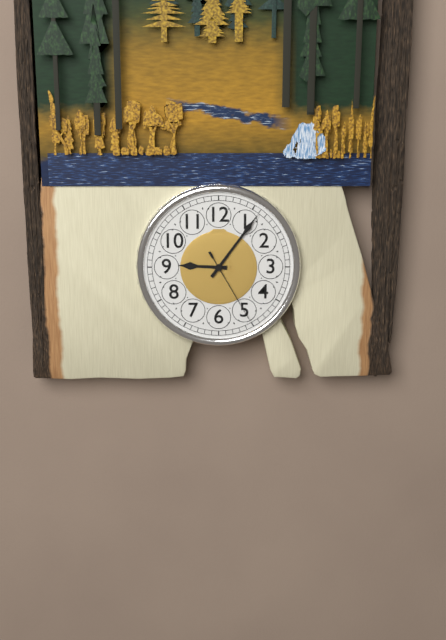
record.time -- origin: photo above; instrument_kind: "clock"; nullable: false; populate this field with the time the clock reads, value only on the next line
9:06:25
